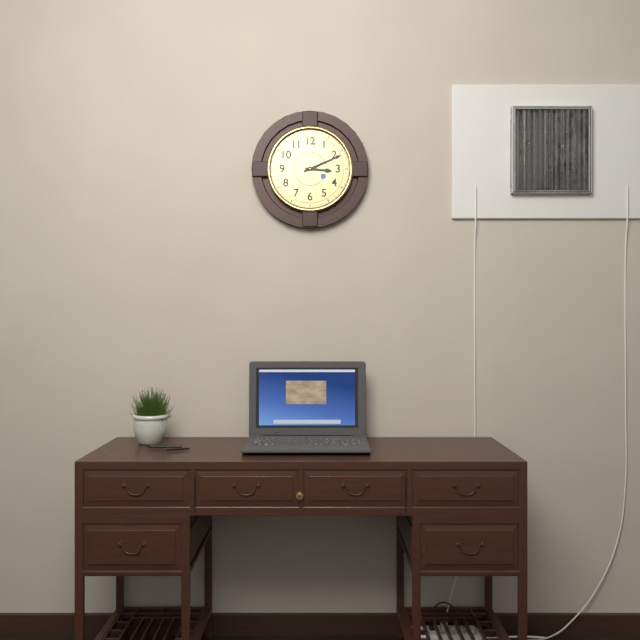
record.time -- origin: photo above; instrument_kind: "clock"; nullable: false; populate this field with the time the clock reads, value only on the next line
3:11
